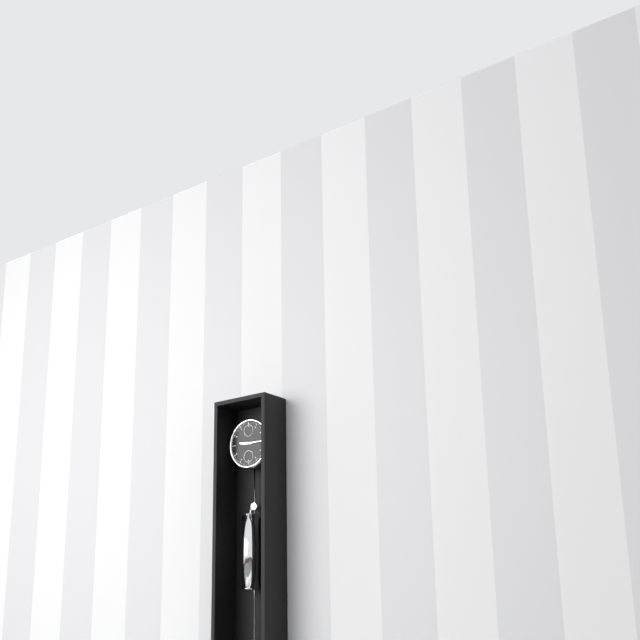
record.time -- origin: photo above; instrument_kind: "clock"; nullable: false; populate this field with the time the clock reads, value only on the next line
9:15
